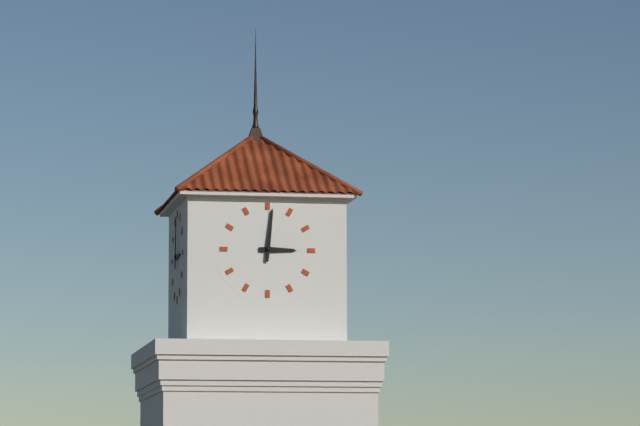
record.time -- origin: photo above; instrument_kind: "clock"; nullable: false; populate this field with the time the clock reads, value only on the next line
3:01
